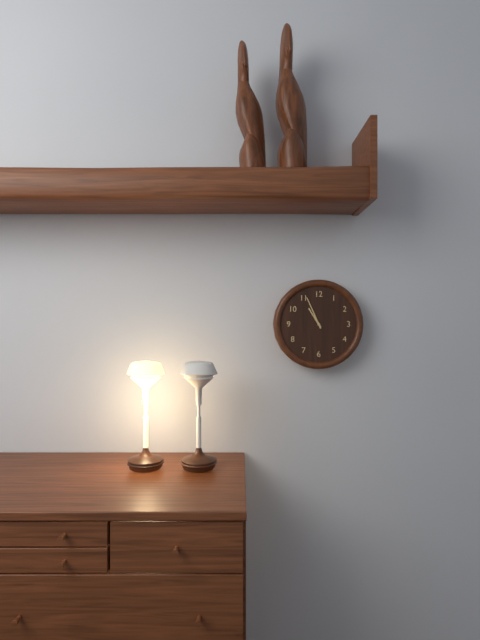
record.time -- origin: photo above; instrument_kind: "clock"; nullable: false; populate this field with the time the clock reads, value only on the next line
10:56
